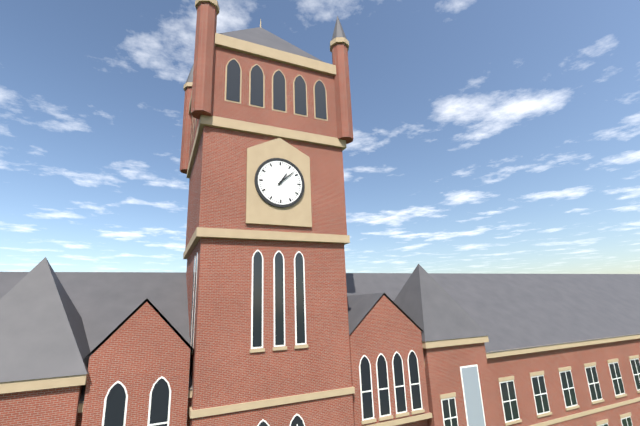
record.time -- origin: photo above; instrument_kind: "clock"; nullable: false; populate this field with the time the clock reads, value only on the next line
1:08
